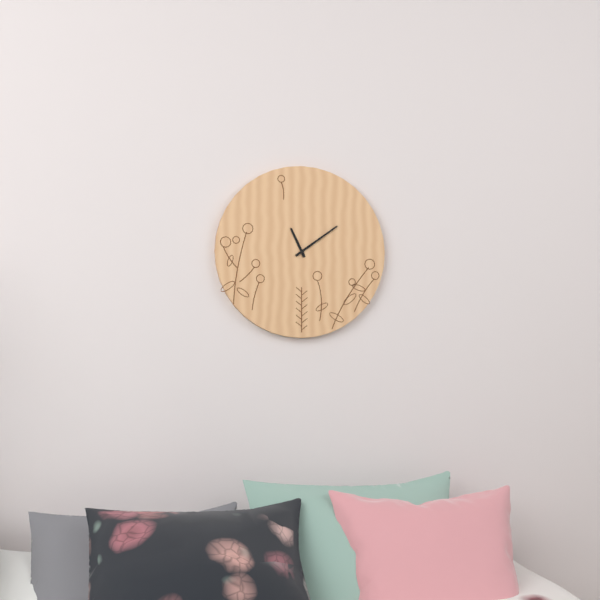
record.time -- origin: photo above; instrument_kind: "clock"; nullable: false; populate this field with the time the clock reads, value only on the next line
11:09
